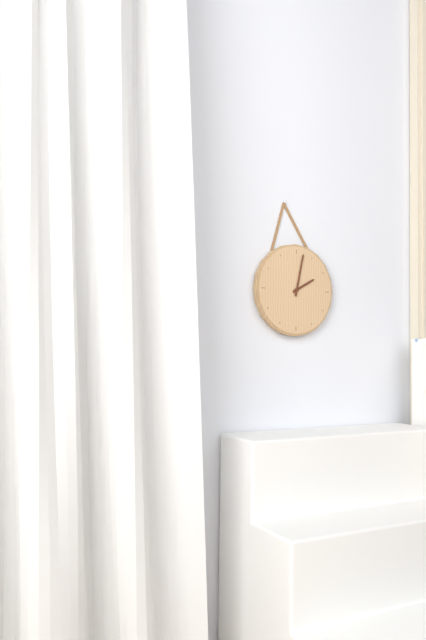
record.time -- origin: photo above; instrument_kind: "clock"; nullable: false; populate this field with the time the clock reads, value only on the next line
2:02
